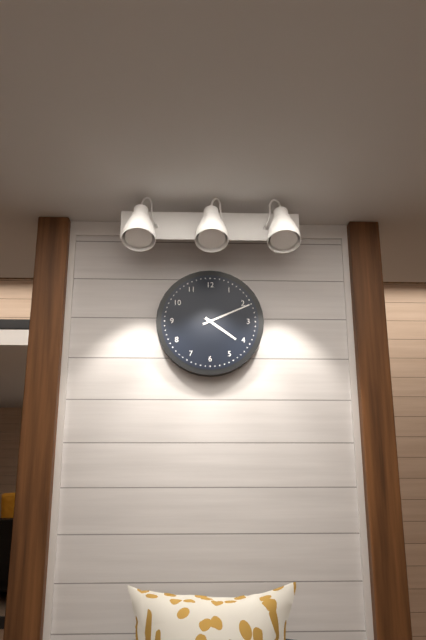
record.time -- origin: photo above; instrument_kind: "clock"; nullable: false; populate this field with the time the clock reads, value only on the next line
4:11
